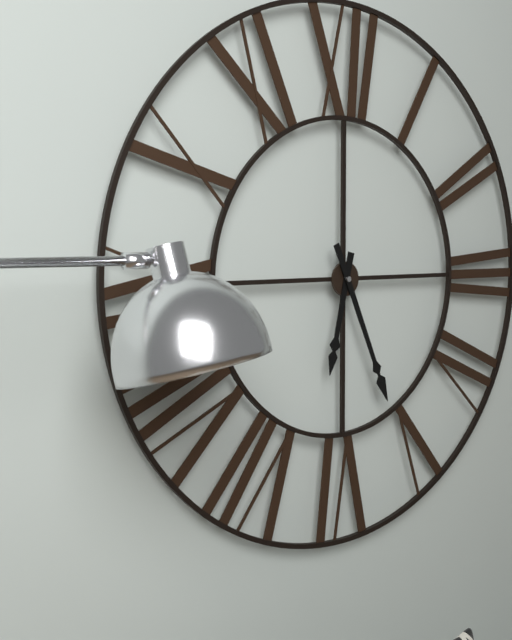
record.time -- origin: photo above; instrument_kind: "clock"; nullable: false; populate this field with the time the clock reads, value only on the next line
6:26
